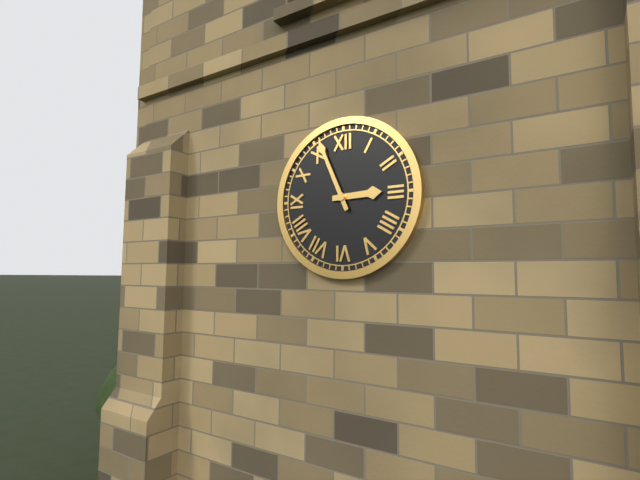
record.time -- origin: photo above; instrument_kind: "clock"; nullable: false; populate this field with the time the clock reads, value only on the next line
2:56
